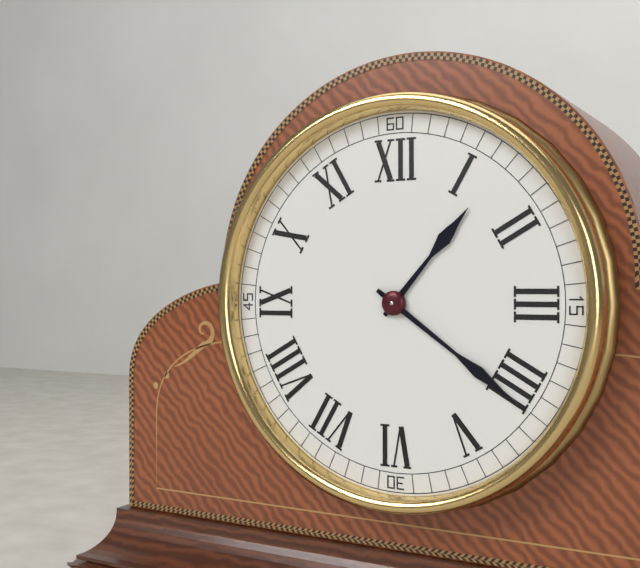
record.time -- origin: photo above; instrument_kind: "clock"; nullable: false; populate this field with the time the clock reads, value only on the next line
1:21
